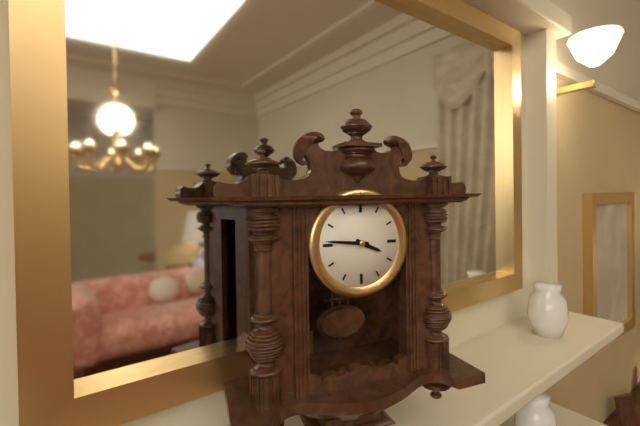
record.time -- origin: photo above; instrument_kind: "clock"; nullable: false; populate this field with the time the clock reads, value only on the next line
3:46
